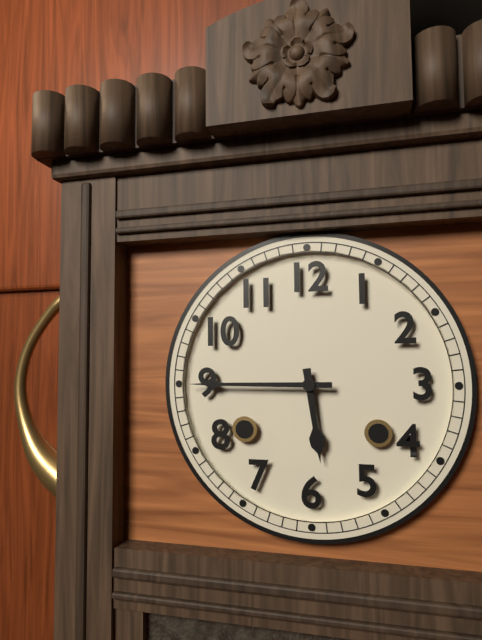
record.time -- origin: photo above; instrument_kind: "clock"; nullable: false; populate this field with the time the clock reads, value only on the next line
5:45
